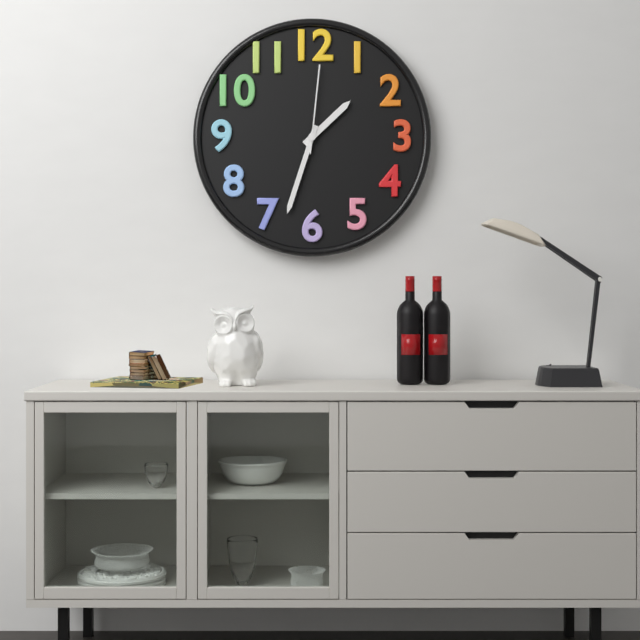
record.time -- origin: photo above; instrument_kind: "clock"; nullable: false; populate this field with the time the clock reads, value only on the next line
1:33:01
